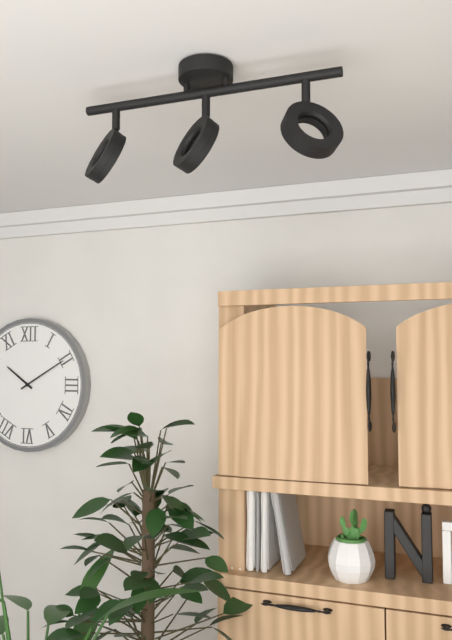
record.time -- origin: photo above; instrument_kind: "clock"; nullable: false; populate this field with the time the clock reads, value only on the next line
10:10
